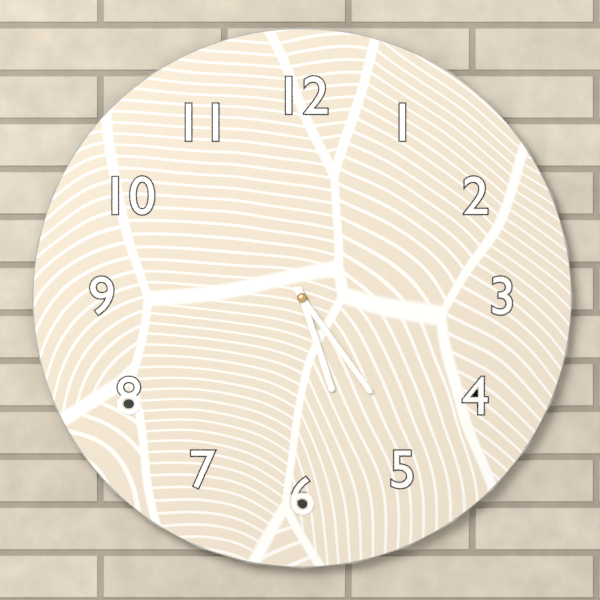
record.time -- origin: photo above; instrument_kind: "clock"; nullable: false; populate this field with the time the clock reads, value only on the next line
5:24
